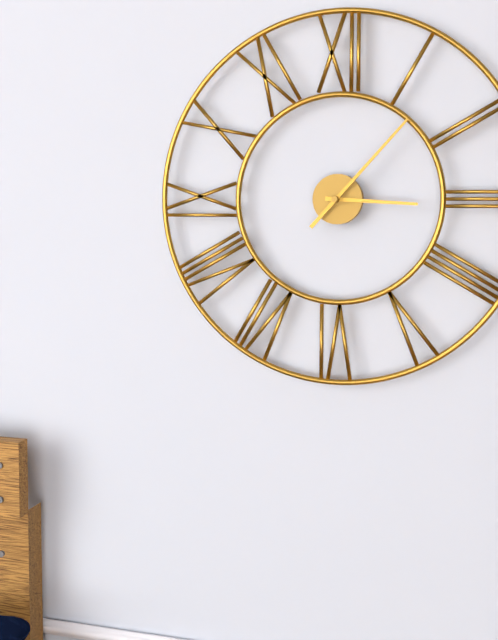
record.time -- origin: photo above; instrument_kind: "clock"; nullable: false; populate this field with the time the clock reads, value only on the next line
3:07
